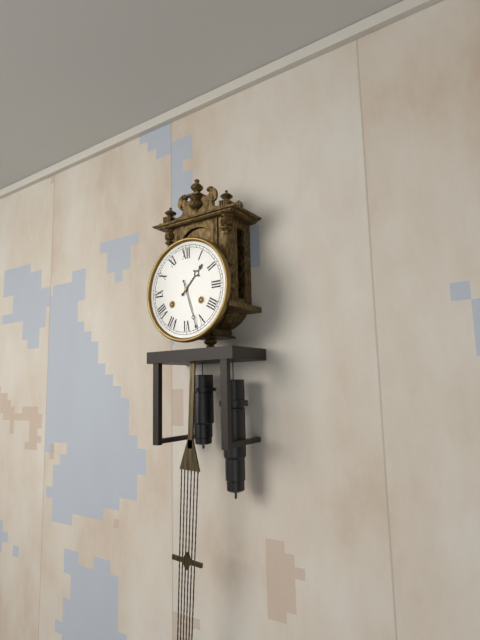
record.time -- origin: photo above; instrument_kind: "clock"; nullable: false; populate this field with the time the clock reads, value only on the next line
1:27
